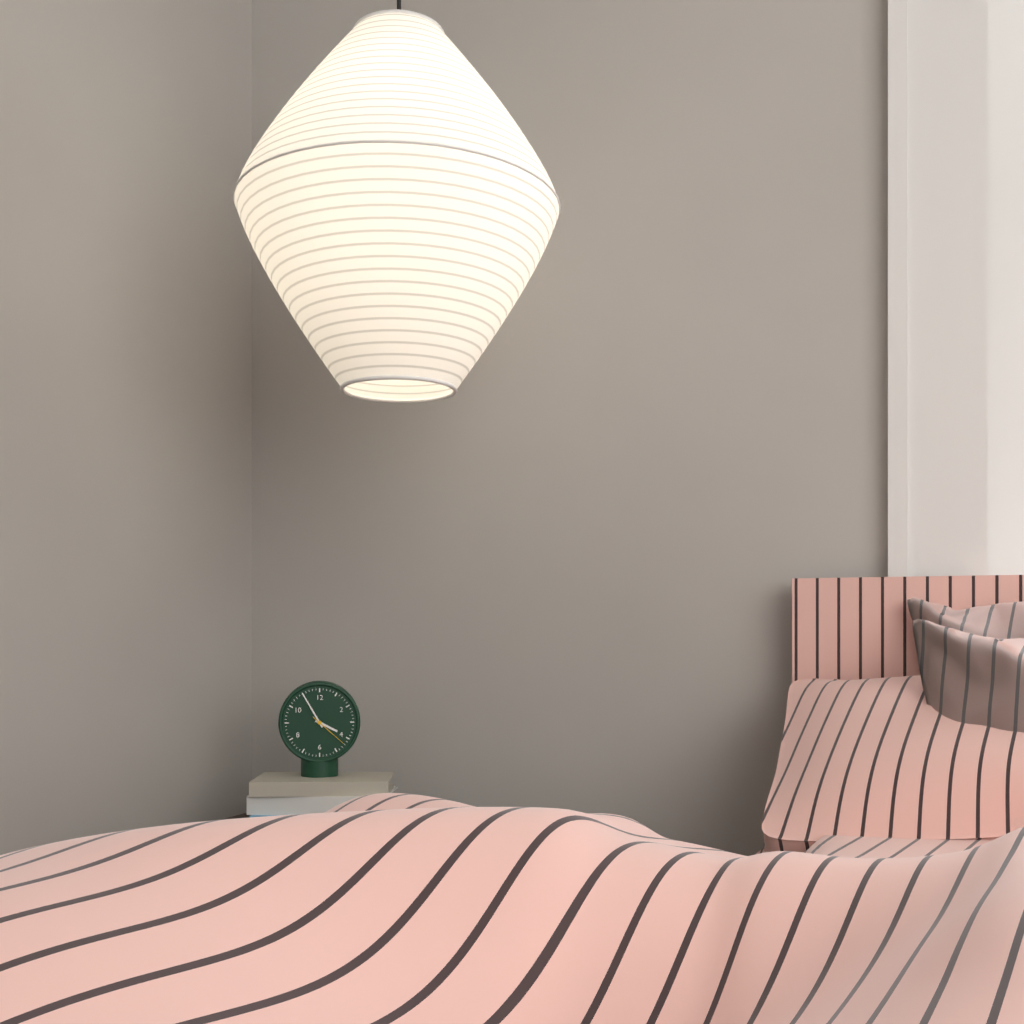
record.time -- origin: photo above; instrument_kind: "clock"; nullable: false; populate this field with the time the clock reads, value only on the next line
3:55
